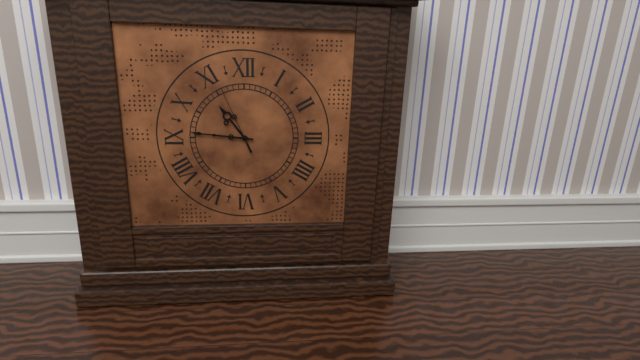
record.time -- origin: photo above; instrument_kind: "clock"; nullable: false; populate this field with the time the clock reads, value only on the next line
10:46:56
